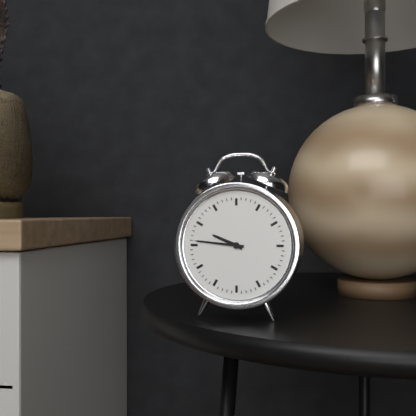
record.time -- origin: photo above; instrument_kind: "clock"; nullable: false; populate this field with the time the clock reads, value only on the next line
9:46
